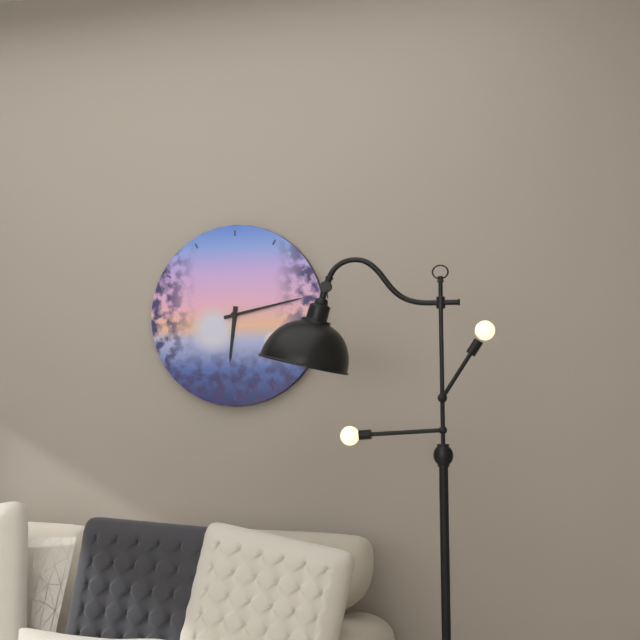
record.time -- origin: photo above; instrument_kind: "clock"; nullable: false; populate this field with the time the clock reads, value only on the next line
6:13
